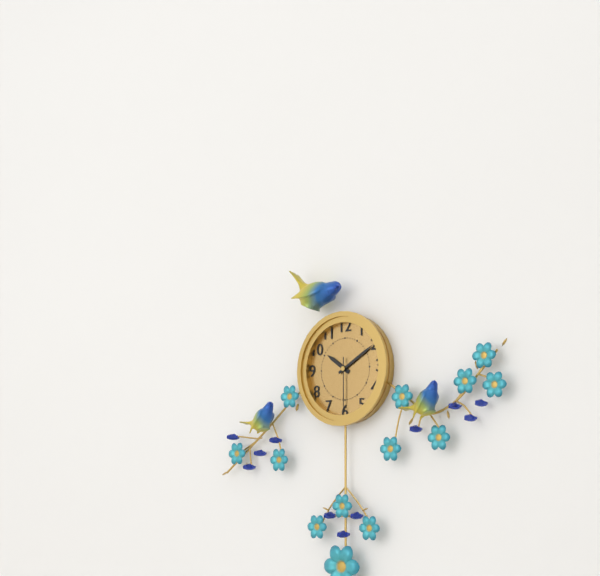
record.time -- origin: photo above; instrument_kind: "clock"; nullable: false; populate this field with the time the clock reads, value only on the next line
10:10:30
